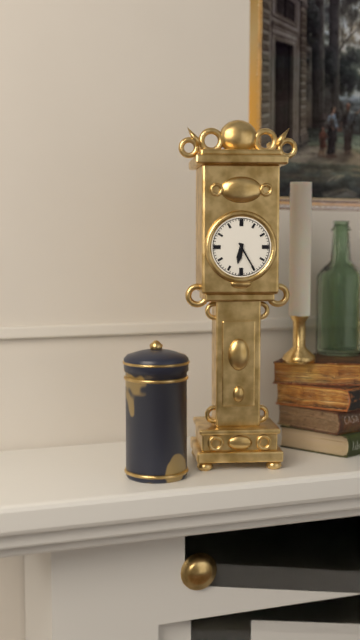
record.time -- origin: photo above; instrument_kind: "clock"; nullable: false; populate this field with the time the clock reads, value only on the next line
6:25
